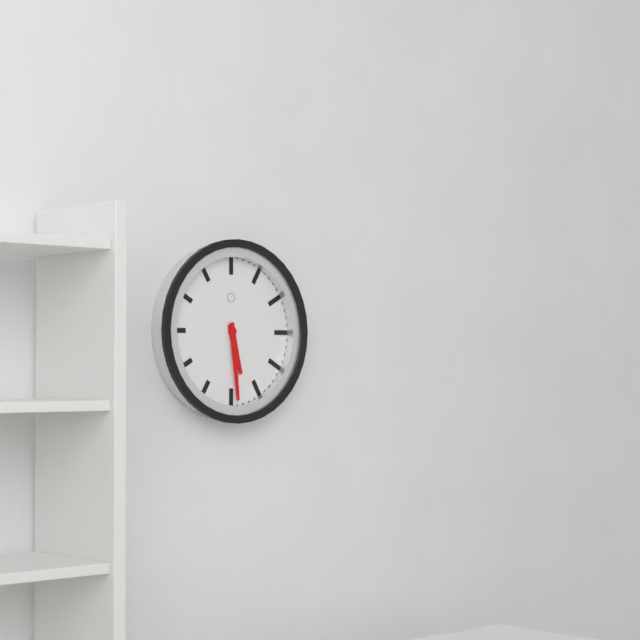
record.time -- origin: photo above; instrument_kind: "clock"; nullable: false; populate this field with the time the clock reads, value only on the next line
5:29
